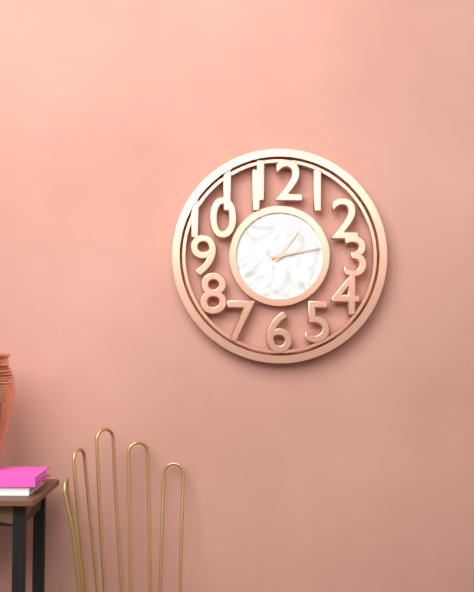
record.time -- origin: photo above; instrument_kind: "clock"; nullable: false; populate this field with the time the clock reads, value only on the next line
1:13
